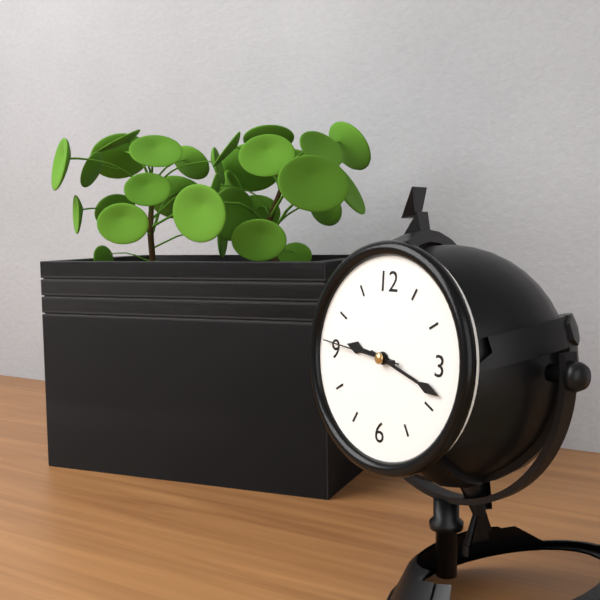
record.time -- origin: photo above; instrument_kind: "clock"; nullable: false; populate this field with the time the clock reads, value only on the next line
9:18:46
